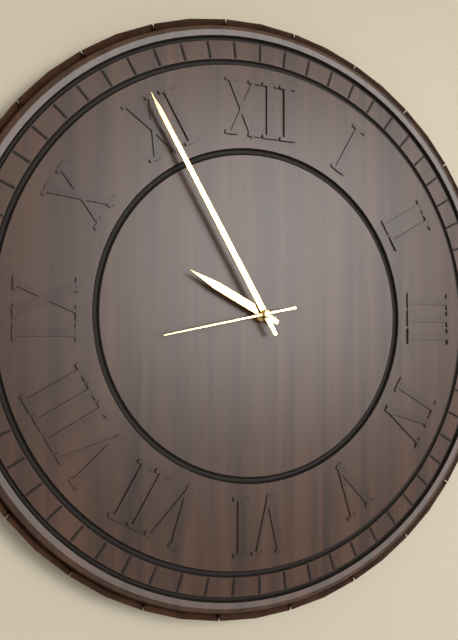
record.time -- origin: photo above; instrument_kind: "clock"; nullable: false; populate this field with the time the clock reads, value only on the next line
9:55:43
